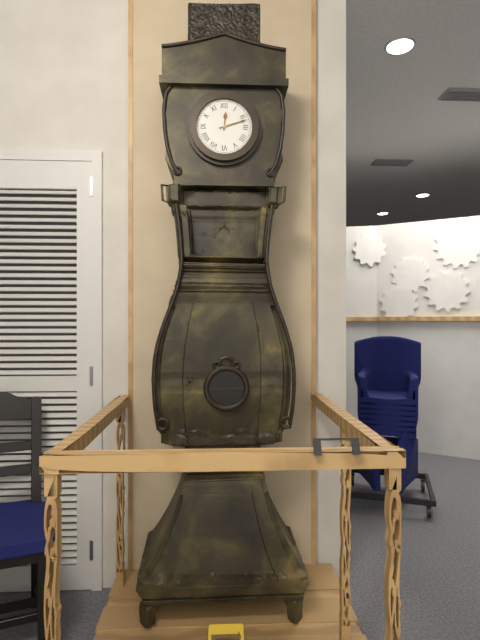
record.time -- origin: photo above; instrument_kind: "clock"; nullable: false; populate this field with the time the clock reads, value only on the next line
12:12
